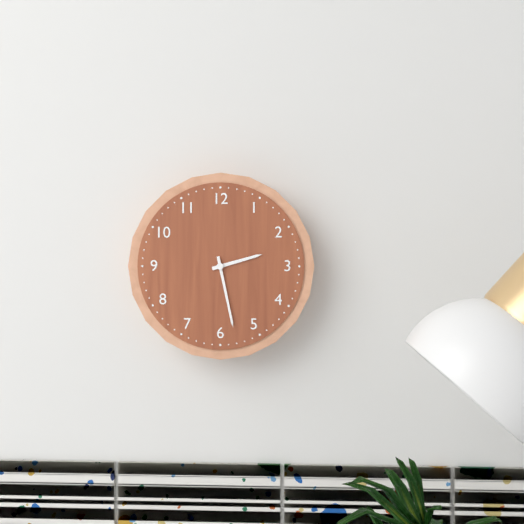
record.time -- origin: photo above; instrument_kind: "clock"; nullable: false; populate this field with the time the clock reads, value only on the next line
2:28
